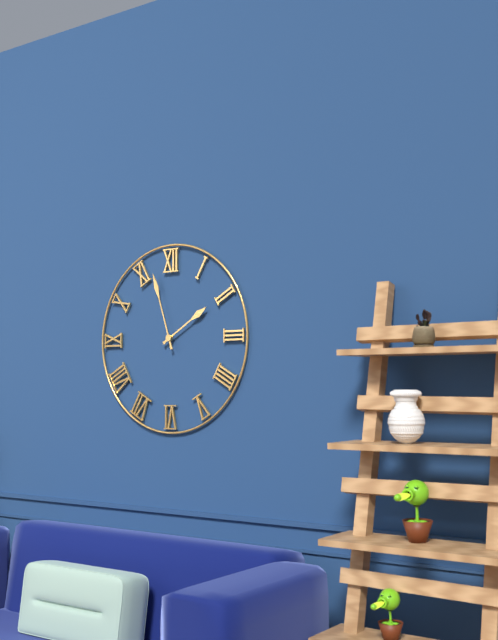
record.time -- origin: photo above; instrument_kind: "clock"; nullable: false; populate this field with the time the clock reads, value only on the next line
1:57
